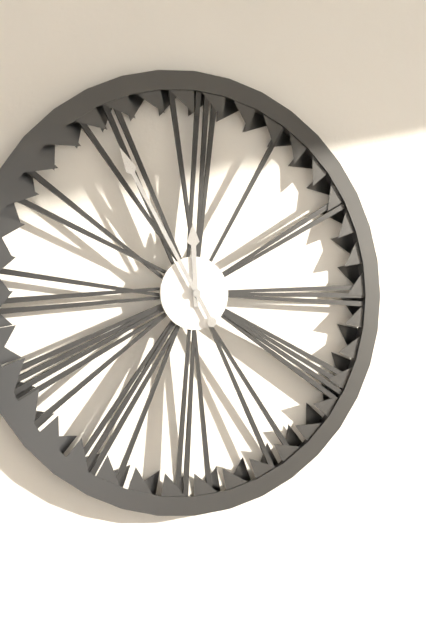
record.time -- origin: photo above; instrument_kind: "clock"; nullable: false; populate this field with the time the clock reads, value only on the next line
11:55
